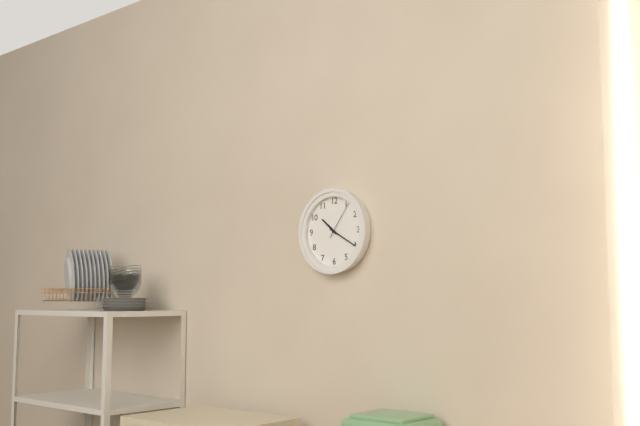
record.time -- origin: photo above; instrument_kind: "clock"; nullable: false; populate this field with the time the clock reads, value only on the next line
10:20
